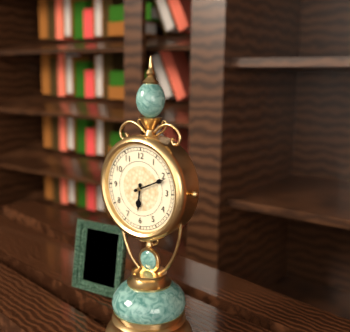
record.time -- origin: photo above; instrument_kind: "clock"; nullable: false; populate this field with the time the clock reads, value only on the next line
6:11
